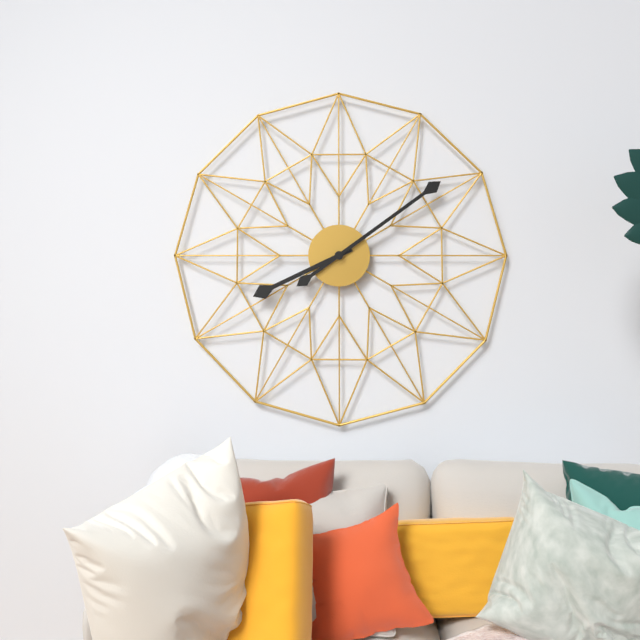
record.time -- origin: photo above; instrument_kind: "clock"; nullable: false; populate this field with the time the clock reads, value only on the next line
8:09
